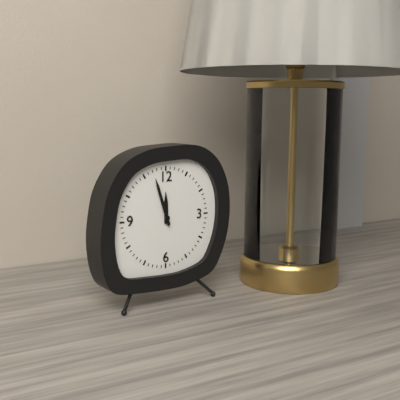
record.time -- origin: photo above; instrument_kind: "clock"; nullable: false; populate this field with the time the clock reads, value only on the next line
11:57
